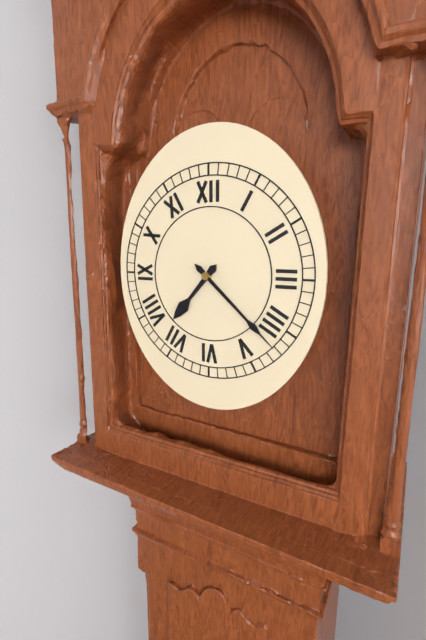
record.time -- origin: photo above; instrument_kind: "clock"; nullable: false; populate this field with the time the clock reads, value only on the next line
7:22
